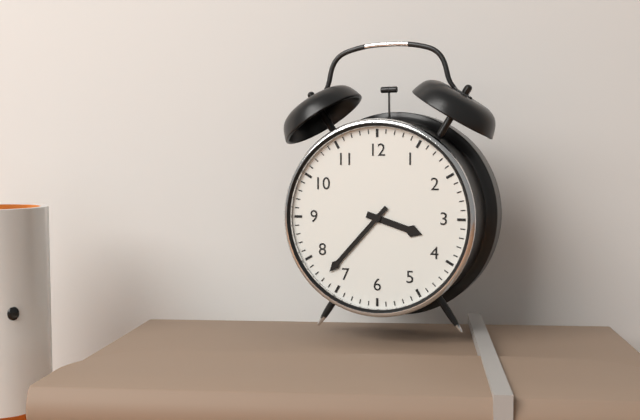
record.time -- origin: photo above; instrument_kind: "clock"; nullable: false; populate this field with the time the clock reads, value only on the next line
3:37
